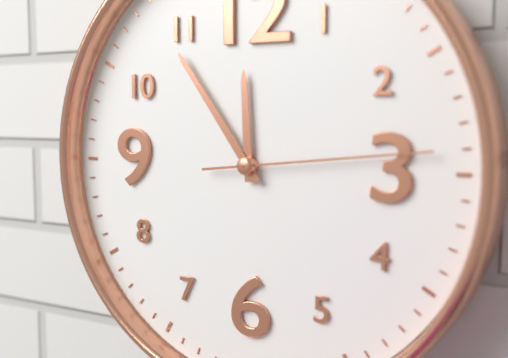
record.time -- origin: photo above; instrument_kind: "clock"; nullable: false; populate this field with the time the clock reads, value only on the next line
11:54:14
